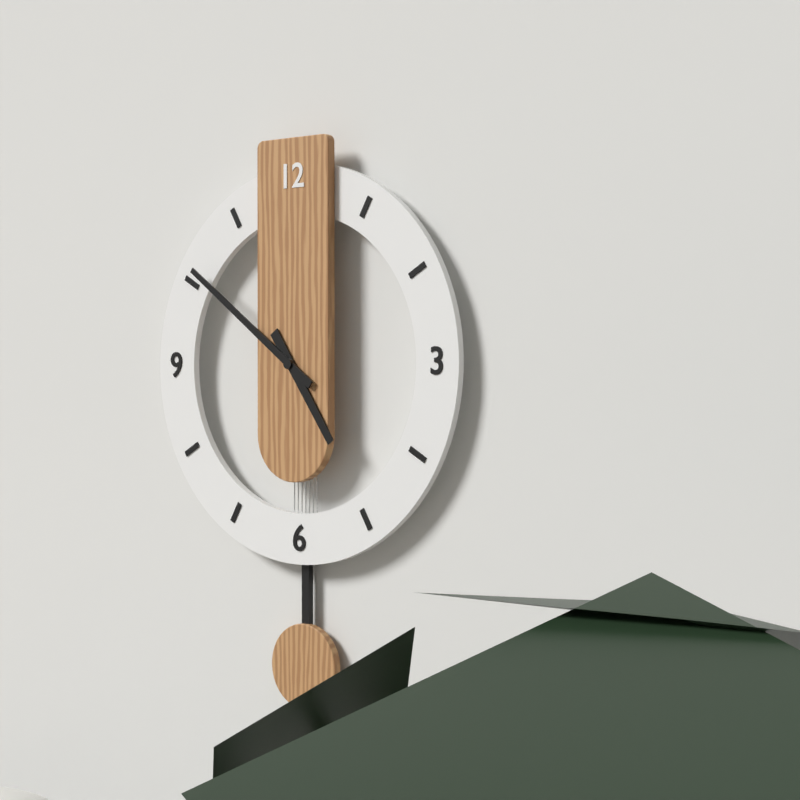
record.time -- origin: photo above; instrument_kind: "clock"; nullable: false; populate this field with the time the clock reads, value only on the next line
4:51
